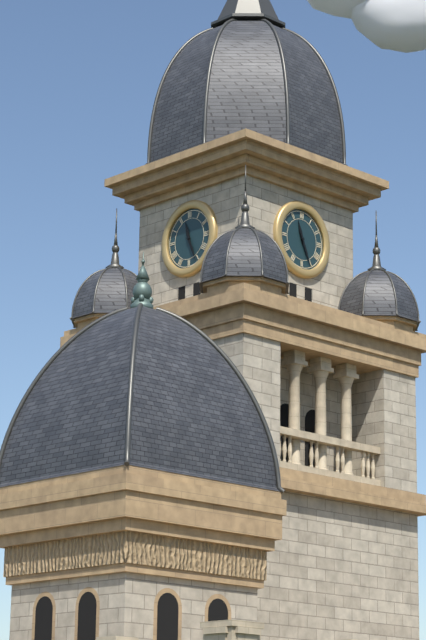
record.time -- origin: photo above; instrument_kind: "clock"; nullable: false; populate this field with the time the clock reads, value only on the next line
11:26
